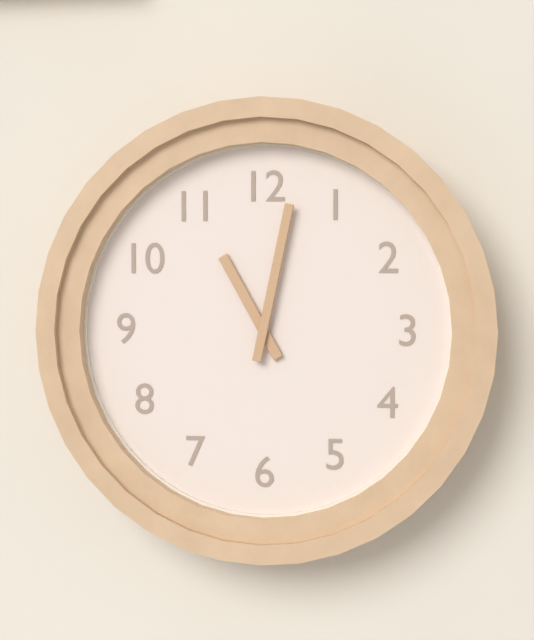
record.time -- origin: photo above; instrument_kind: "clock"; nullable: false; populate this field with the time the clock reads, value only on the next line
11:02
